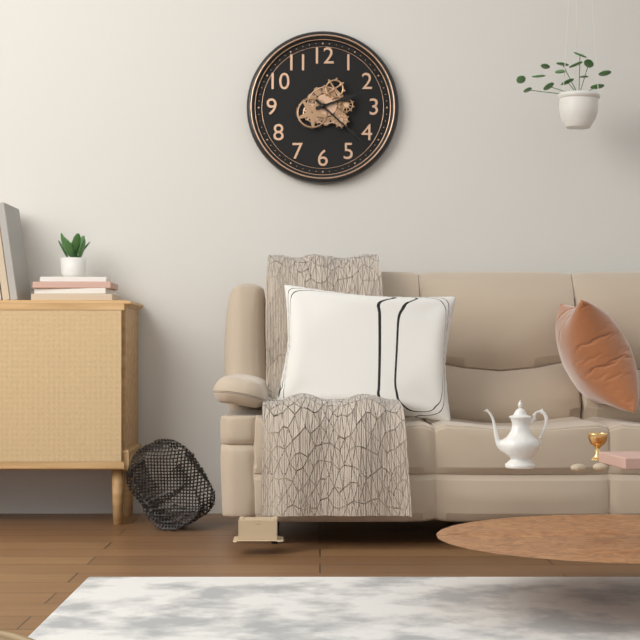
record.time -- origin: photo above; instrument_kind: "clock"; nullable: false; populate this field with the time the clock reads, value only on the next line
2:22
